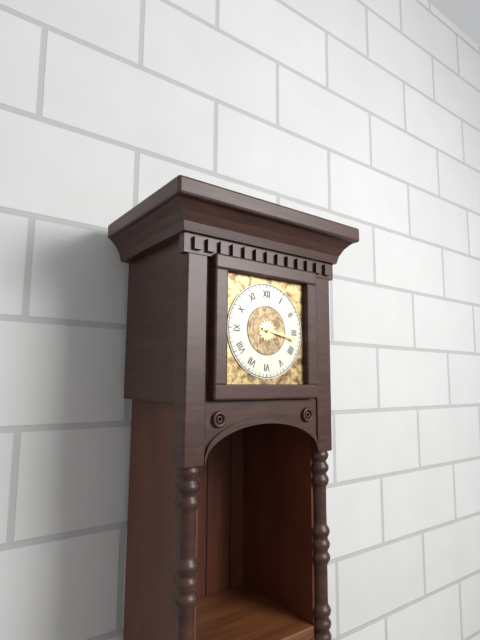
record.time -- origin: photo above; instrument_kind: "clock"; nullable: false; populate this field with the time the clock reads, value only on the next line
3:17
